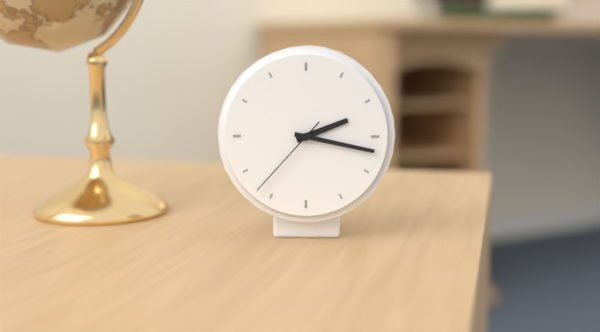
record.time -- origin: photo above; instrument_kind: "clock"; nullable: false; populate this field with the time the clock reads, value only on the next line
2:17:37
